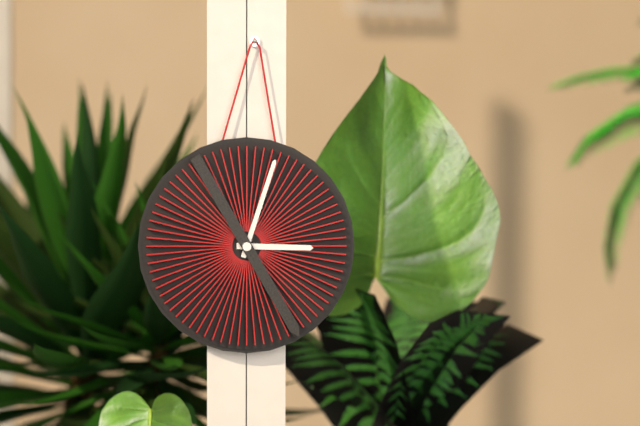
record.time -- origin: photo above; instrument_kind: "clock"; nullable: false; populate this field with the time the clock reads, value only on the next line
3:03:25
